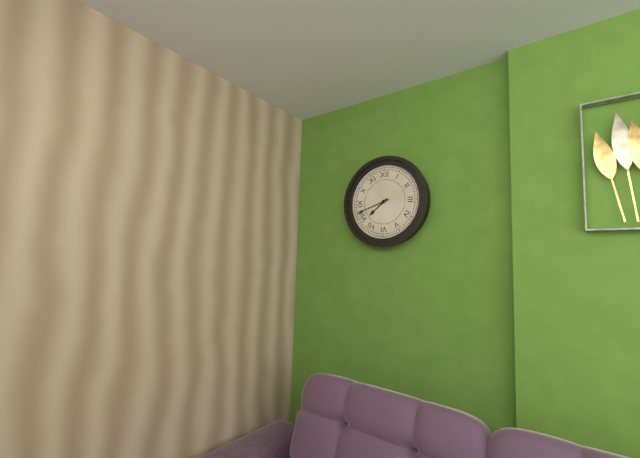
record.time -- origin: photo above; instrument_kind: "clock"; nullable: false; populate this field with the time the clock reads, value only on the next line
7:42
